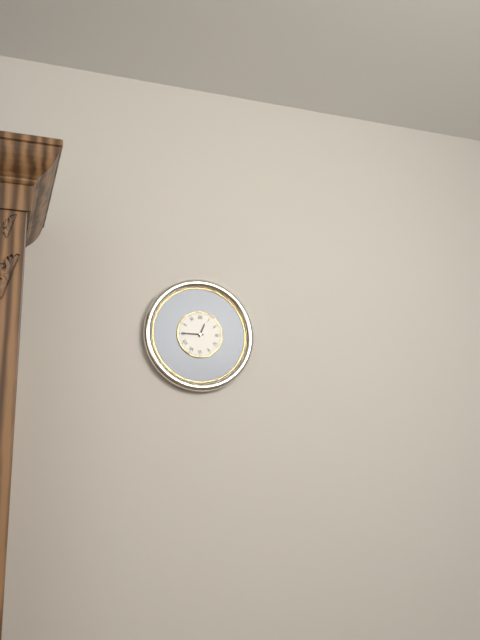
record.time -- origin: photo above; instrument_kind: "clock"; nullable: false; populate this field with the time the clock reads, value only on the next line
12:45
